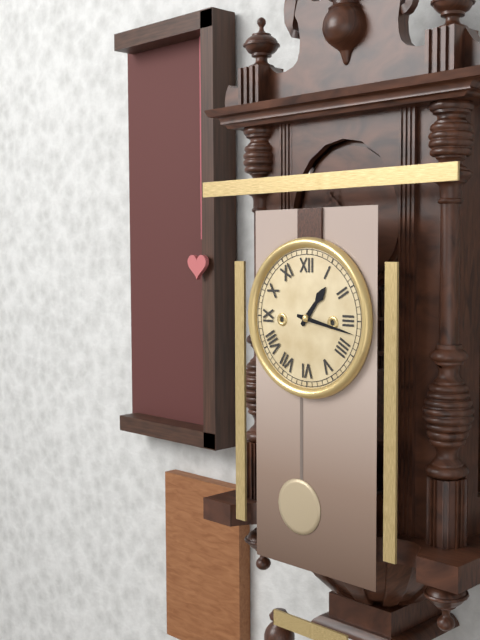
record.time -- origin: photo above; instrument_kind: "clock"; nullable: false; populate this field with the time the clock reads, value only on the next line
1:17
